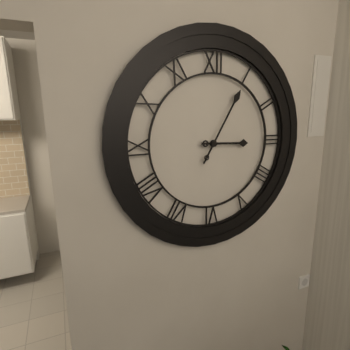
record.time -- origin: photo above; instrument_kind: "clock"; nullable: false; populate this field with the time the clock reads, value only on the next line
3:05
